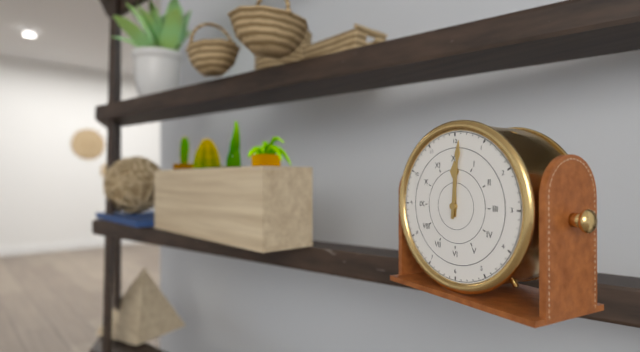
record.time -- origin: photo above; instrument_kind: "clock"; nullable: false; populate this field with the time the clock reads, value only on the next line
12:01
